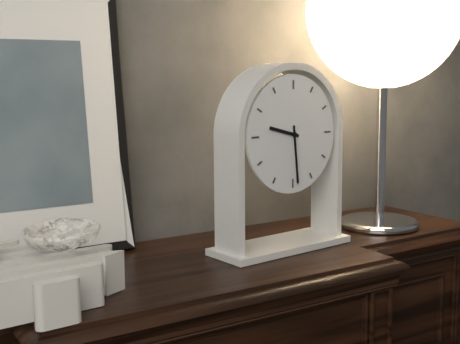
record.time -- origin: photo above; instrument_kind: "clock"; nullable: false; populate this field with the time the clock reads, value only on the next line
9:29
